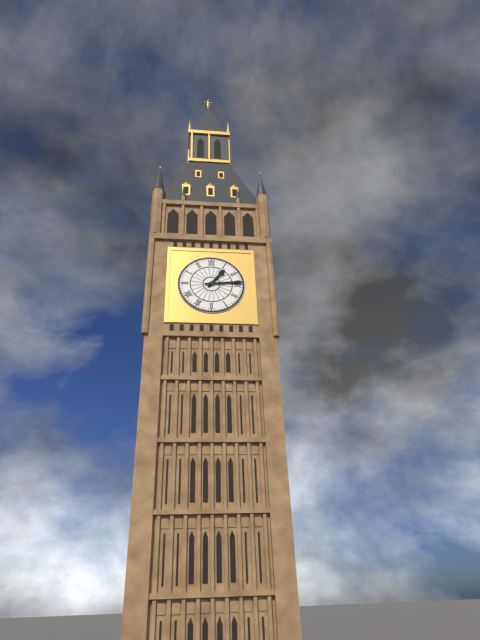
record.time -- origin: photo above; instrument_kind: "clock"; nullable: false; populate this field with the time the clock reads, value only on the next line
1:14
